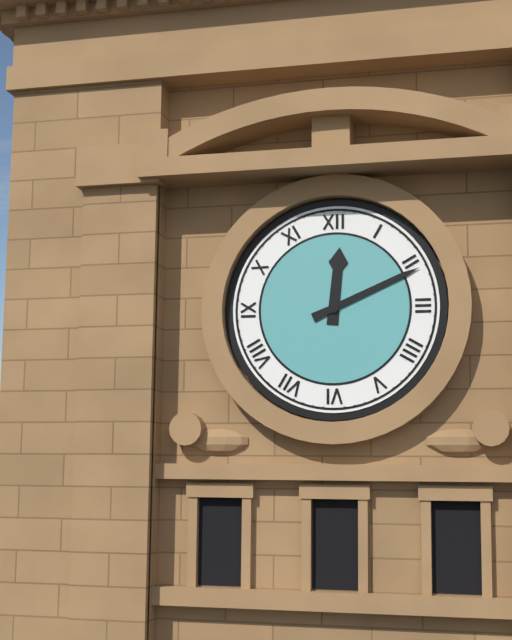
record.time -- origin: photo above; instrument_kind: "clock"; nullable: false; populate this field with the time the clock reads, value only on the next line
12:11
